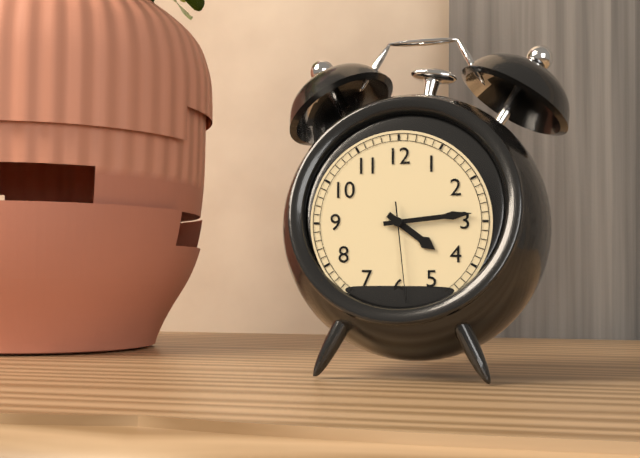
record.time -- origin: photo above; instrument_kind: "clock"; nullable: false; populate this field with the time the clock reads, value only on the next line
4:14:29
